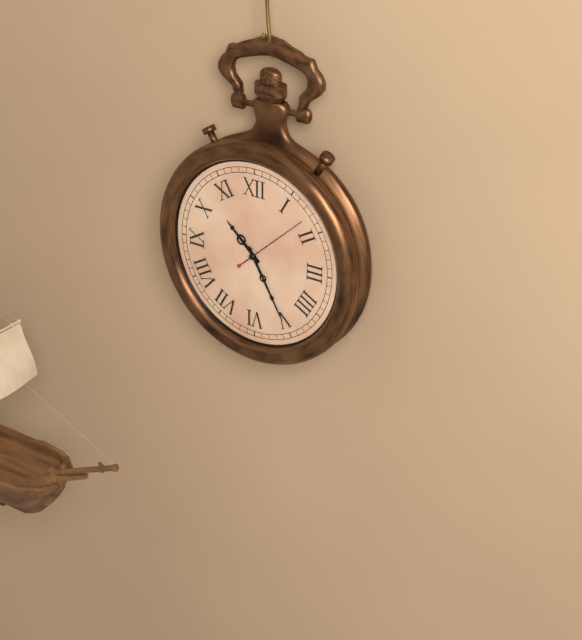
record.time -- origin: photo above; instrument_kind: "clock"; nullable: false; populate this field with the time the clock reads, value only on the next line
10:25:08
